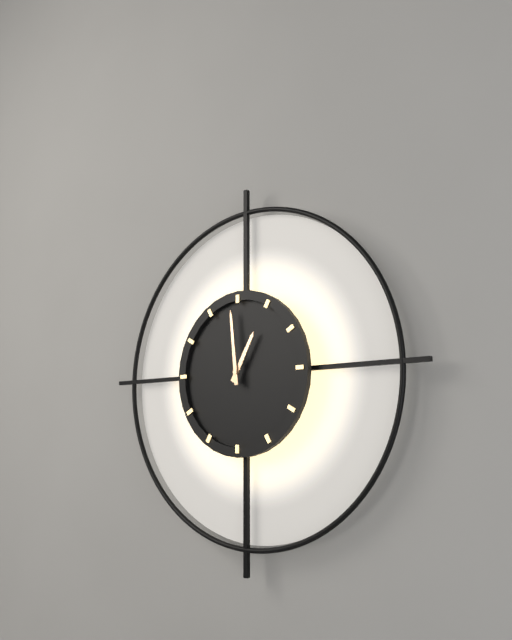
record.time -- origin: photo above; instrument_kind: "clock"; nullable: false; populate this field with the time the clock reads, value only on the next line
12:59
